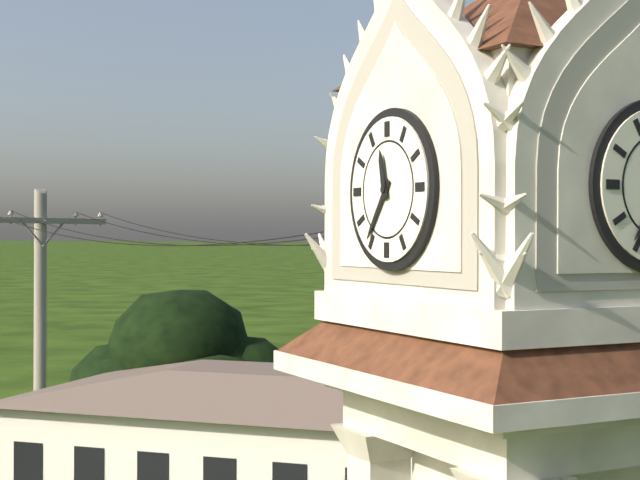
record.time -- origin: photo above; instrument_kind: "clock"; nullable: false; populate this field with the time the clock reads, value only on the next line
11:36
